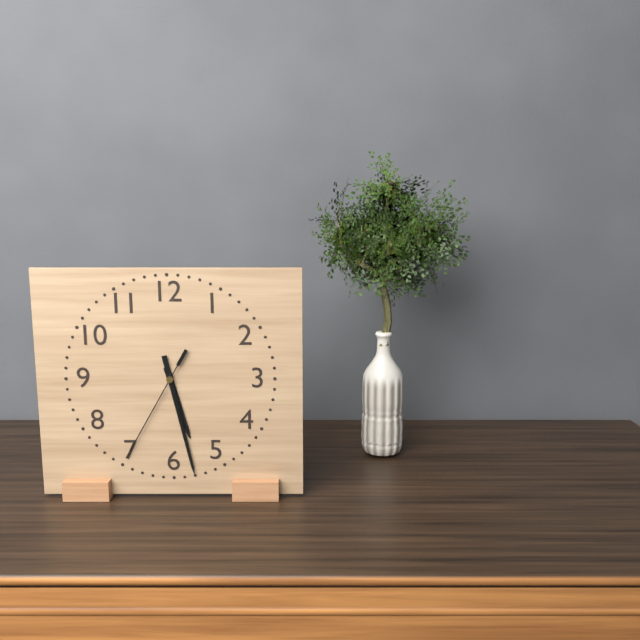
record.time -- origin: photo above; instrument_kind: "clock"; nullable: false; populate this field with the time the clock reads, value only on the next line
5:28:35
